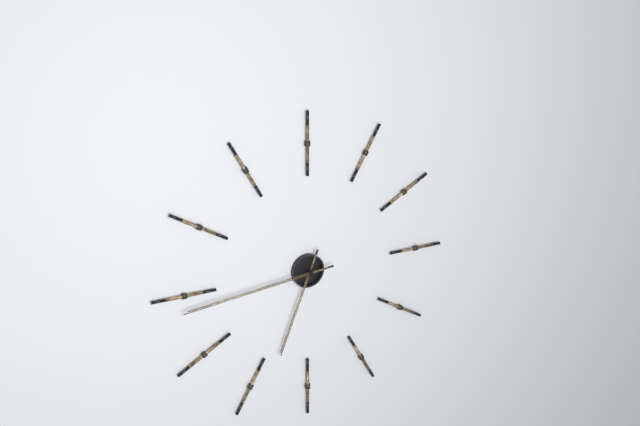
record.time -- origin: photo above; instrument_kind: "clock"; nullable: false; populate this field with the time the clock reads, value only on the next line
6:44
